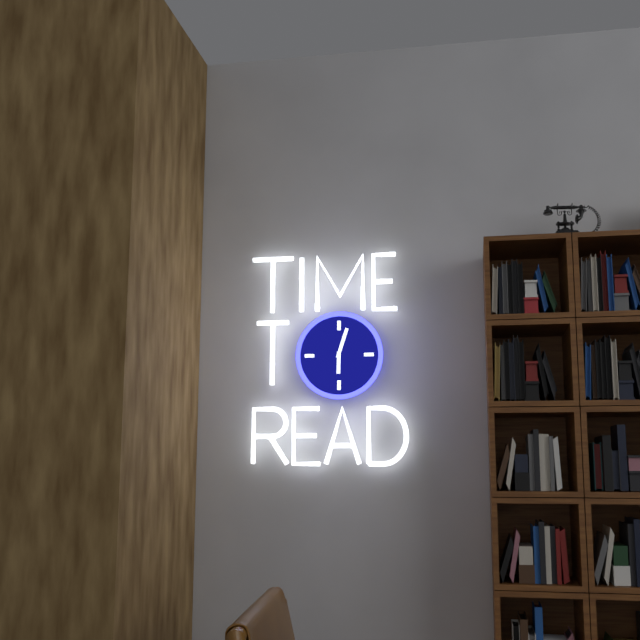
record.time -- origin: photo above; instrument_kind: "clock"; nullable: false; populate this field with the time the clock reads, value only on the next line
6:03
